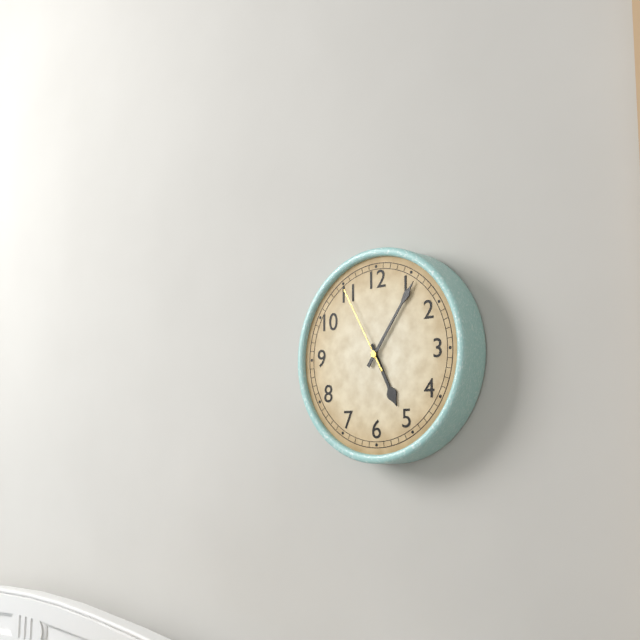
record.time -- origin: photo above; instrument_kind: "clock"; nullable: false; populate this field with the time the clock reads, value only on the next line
5:06:55
